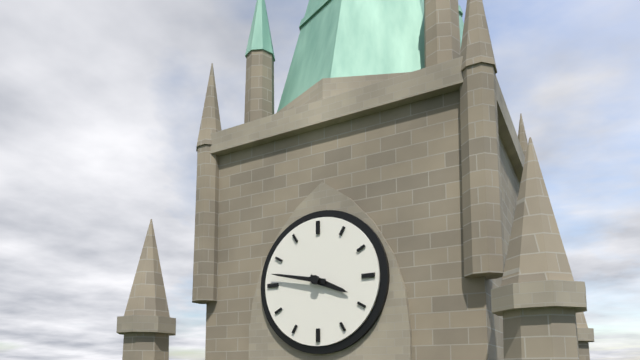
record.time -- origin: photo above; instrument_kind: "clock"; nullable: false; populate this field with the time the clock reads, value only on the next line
3:47
